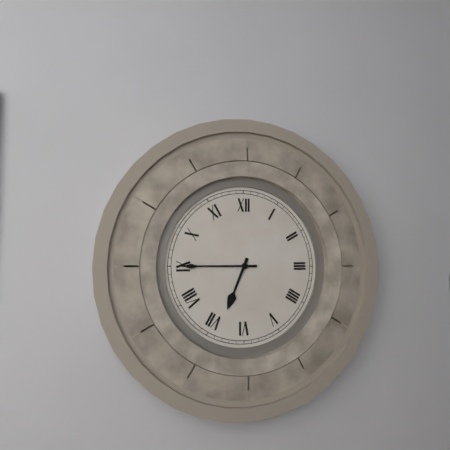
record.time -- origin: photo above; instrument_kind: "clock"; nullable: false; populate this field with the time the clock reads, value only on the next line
6:45
